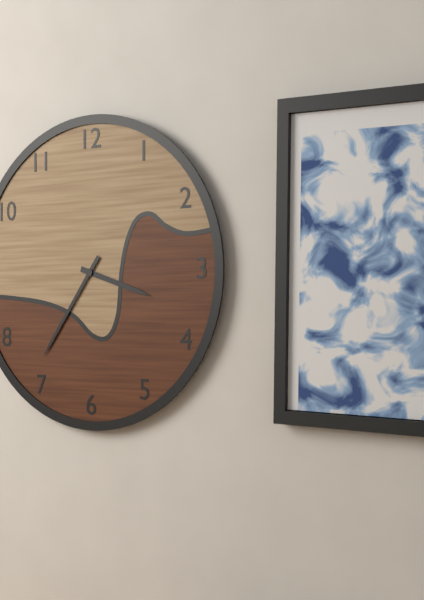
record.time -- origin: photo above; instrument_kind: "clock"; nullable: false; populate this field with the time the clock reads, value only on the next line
3:36
